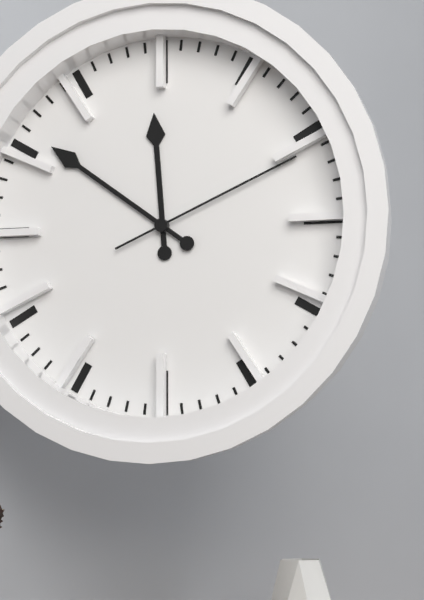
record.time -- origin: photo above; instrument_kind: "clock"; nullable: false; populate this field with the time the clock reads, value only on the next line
11:51:11
